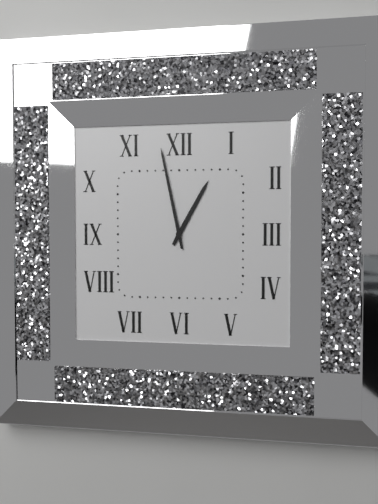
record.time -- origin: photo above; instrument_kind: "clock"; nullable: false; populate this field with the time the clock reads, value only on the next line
12:58
